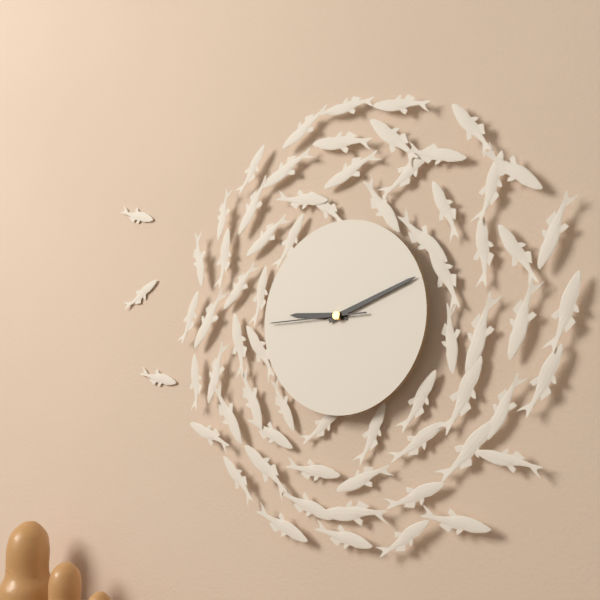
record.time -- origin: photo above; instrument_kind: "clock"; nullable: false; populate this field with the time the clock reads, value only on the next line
9:12:45
